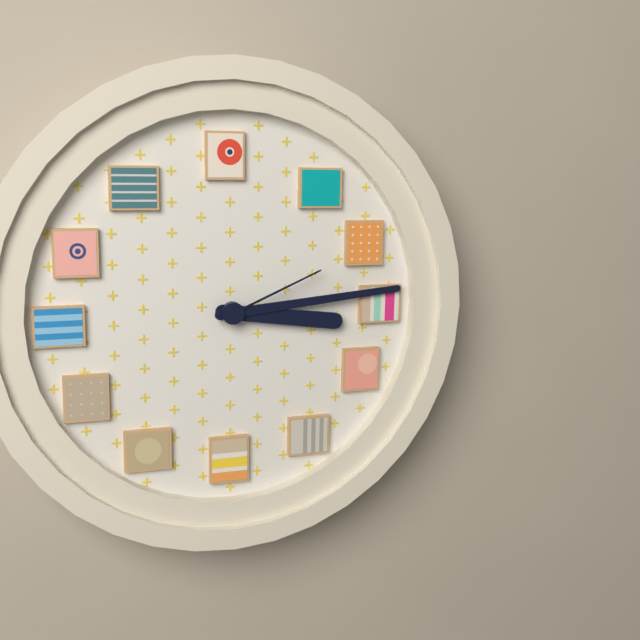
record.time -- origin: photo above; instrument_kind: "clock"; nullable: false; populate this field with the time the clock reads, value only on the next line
3:14:11
